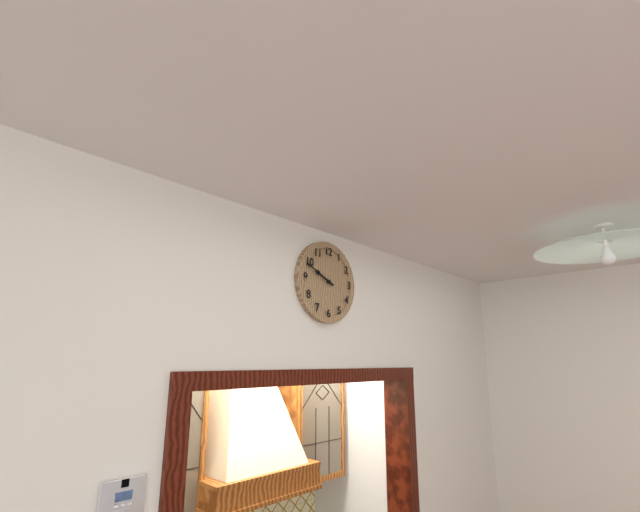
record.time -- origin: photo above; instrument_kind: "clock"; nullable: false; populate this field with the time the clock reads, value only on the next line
9:49
